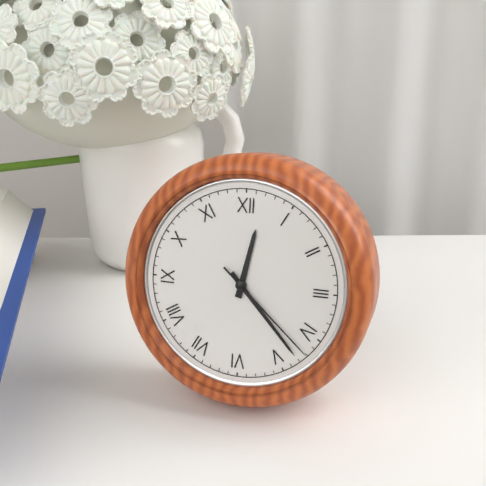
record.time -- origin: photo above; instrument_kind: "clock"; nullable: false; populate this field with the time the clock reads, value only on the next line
12:23:22
